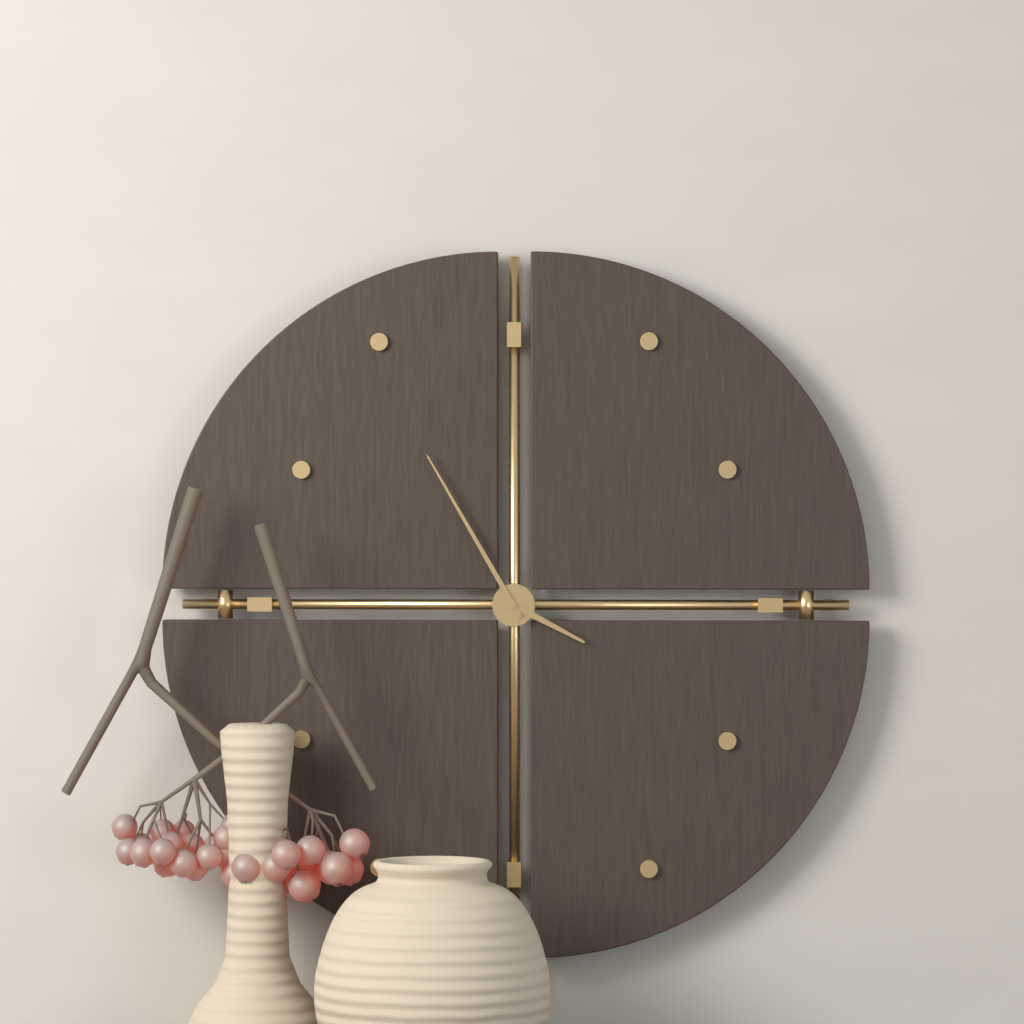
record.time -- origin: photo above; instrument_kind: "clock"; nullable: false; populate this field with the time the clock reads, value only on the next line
3:55
